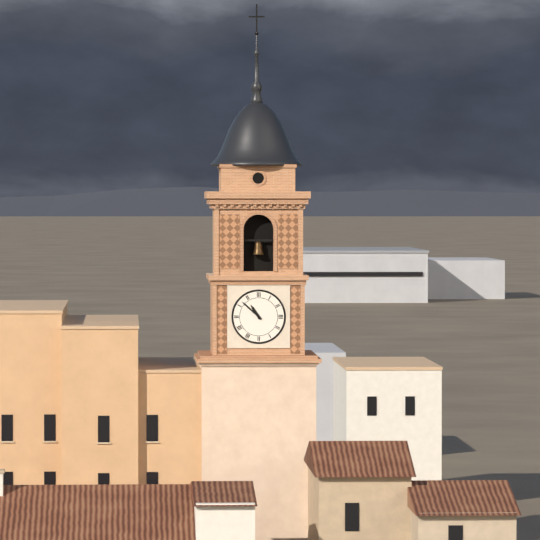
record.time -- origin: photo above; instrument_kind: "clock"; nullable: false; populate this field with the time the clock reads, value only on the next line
10:52
